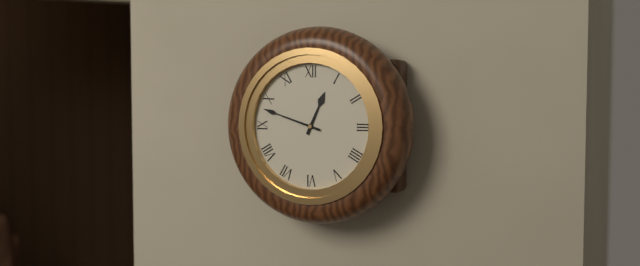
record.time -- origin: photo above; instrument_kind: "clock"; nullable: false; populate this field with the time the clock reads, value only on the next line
12:48
